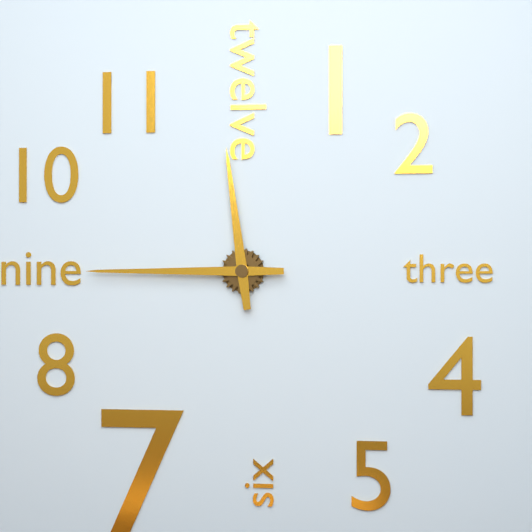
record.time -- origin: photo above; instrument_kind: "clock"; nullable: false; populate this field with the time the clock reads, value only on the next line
11:45
